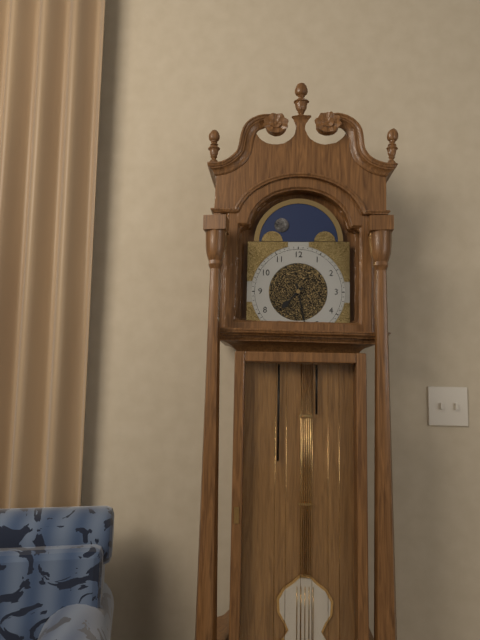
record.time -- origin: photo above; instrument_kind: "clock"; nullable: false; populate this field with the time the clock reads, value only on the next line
7:28
